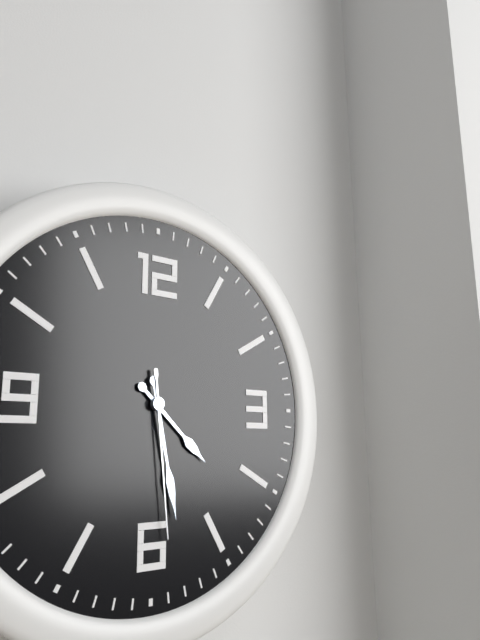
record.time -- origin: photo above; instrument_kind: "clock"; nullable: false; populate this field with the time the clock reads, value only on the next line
4:28:29
